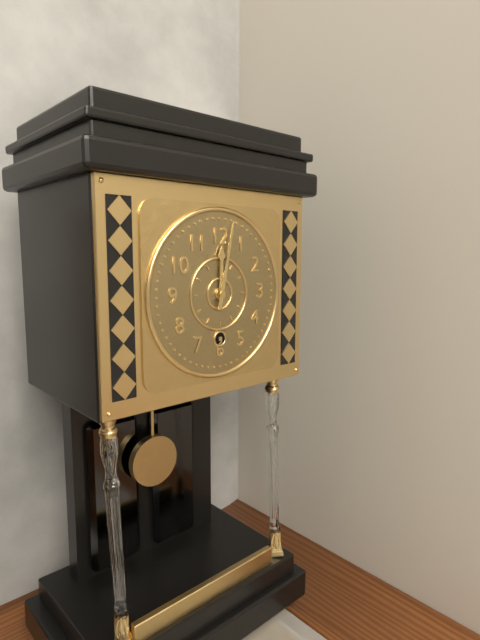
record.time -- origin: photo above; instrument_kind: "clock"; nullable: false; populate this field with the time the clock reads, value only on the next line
12:02
